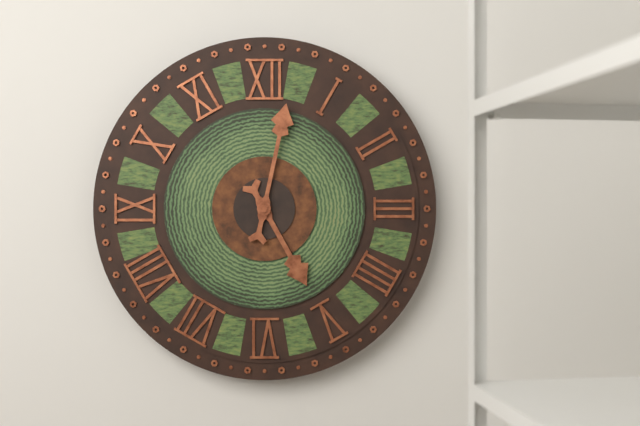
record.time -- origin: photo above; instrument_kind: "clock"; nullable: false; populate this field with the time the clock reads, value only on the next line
5:02
